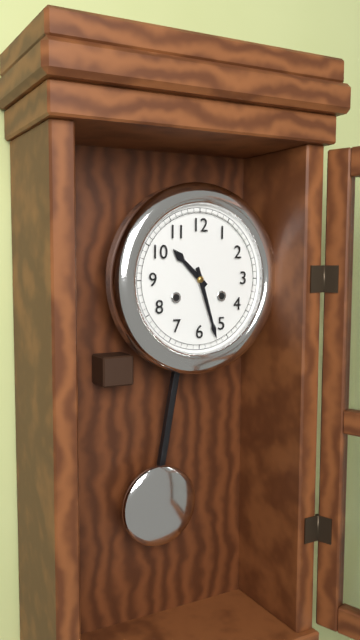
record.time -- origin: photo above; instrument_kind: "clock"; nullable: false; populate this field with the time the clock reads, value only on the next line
10:27
